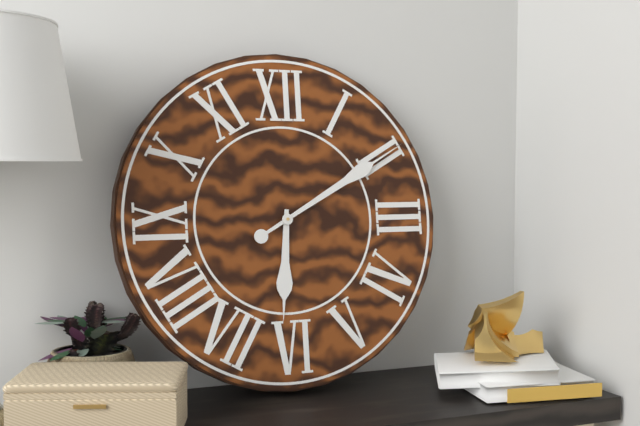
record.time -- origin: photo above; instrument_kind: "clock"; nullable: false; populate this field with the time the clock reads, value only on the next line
6:10
